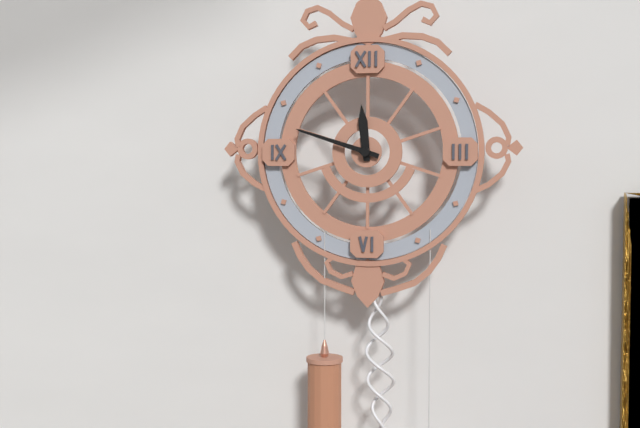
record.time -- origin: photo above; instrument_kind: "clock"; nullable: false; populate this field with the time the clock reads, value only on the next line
11:48
